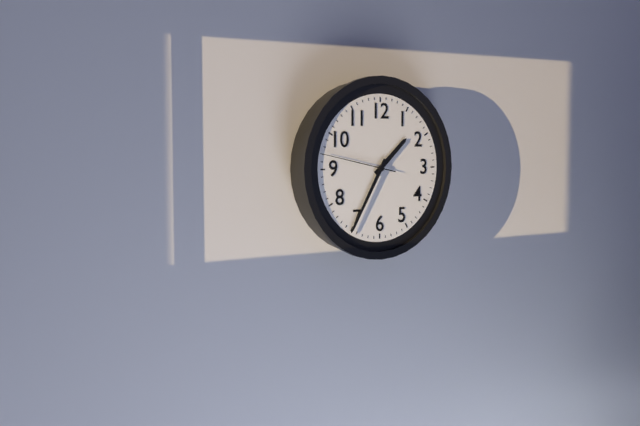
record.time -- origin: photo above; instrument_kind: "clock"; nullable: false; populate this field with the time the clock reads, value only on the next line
1:35:47
